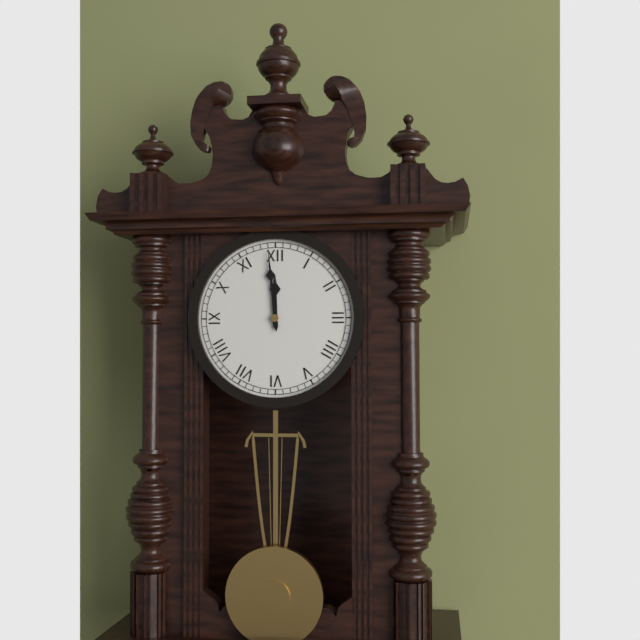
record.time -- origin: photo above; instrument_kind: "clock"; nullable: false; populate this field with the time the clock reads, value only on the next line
11:59
